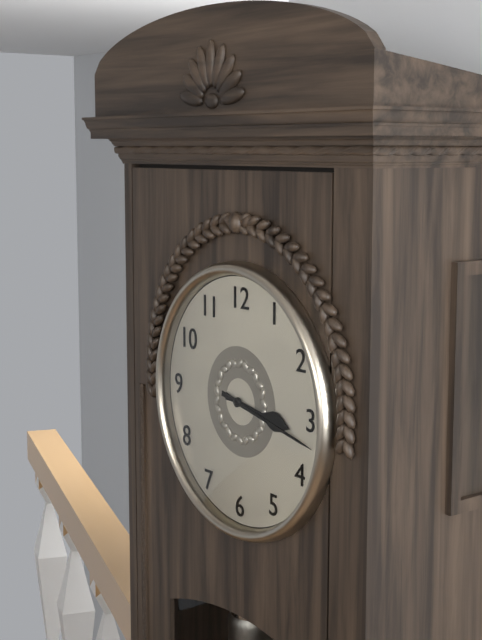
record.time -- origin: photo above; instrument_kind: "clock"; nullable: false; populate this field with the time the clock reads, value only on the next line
3:17
